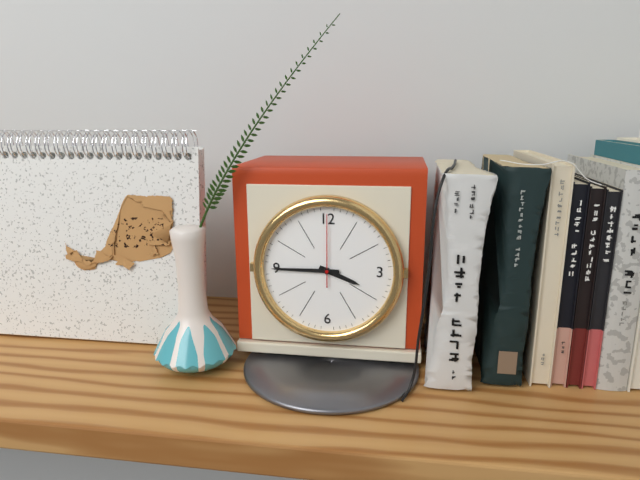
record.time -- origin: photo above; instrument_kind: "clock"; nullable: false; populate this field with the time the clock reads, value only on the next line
3:45:00
